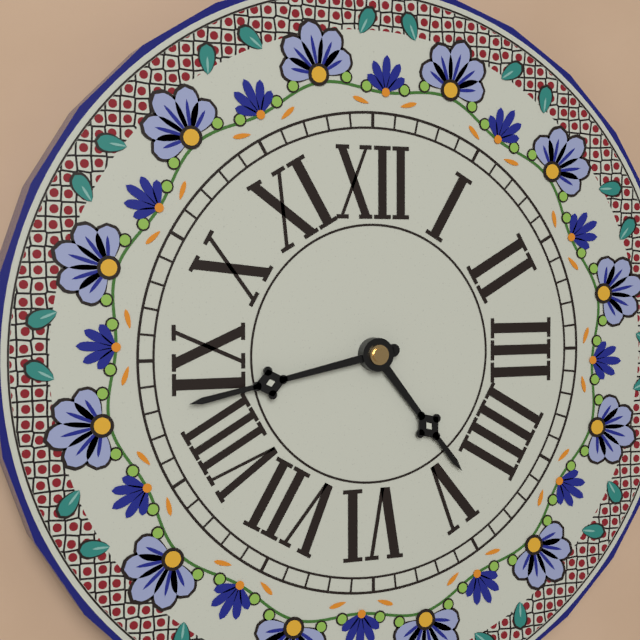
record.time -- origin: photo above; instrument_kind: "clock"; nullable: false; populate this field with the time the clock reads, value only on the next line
4:43
